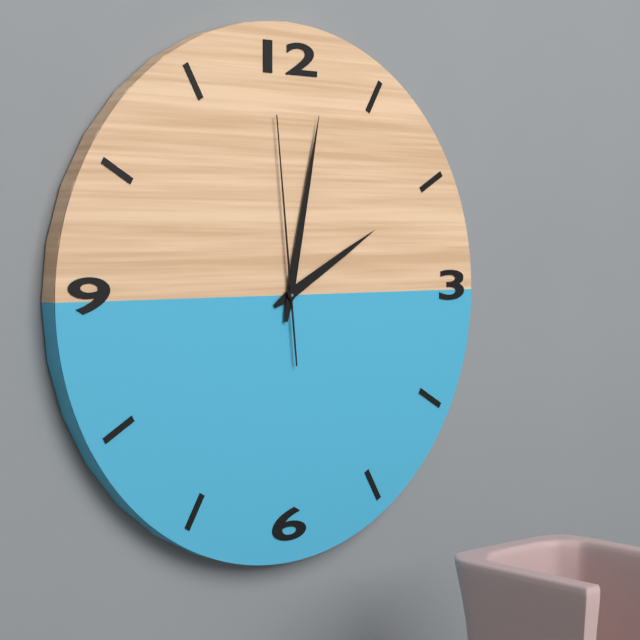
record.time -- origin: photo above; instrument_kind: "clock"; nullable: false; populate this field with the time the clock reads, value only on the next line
2:02:59
